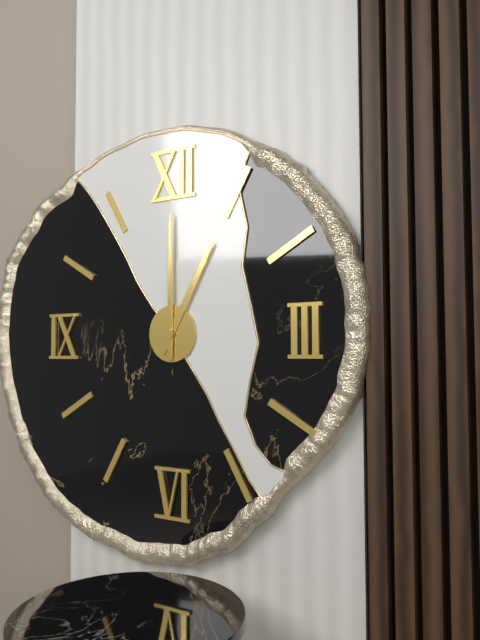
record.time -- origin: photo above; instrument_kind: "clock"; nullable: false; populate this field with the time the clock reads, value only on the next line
1:00
